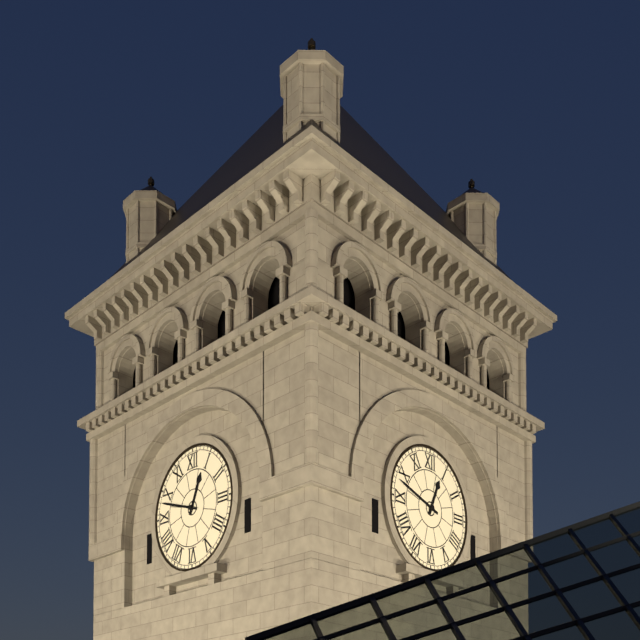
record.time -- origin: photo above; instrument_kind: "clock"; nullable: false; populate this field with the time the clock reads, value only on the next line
12:48
